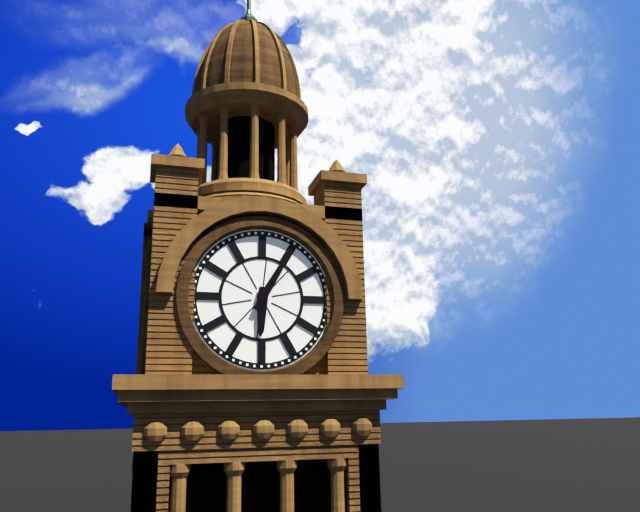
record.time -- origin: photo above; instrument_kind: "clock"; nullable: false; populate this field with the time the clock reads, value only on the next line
6:05
